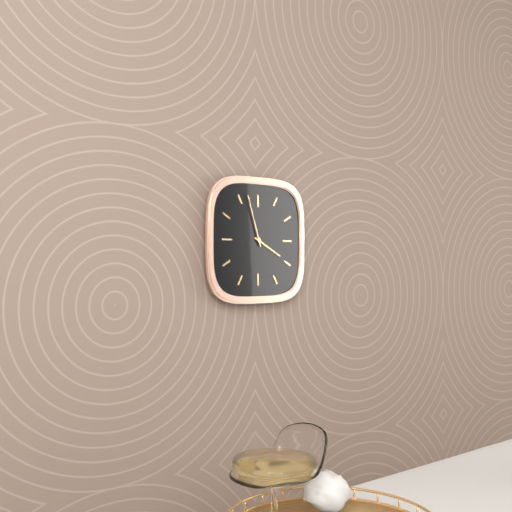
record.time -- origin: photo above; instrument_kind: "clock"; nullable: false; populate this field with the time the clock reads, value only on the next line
3:57
